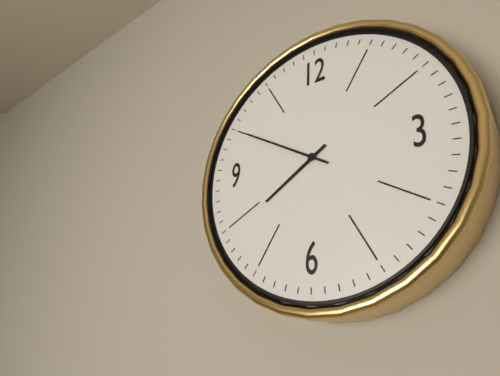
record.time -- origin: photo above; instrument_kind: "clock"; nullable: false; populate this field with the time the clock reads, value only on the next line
7:50
